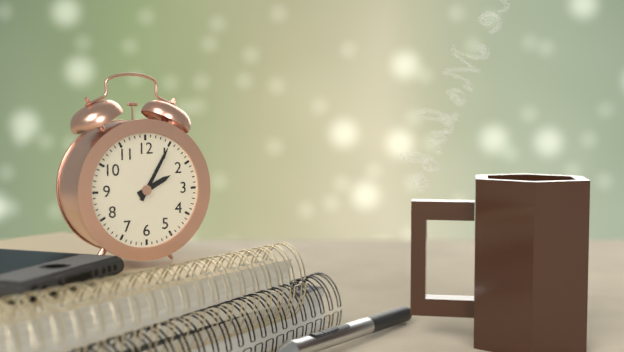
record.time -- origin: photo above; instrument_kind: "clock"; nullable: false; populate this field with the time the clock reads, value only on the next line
2:05
